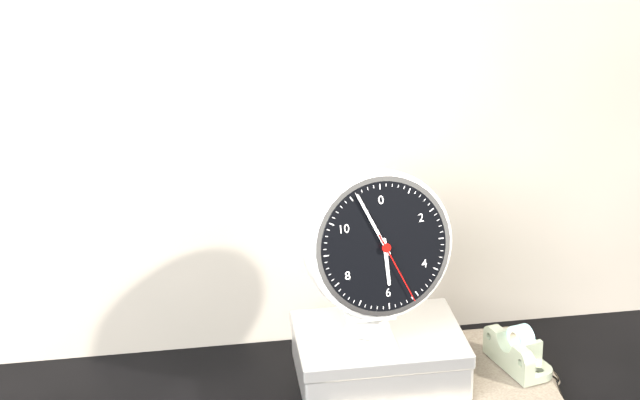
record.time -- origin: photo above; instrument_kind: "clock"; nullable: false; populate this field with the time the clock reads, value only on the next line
5:56:26
